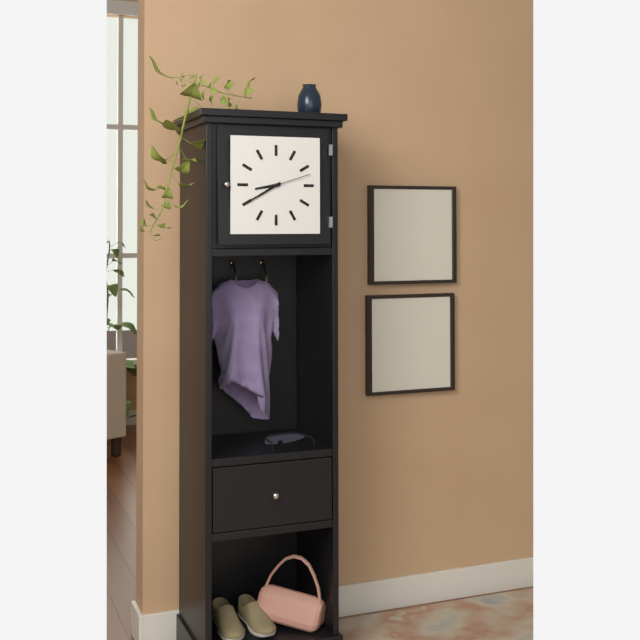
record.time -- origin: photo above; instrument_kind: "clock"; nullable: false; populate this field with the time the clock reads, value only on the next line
8:40
